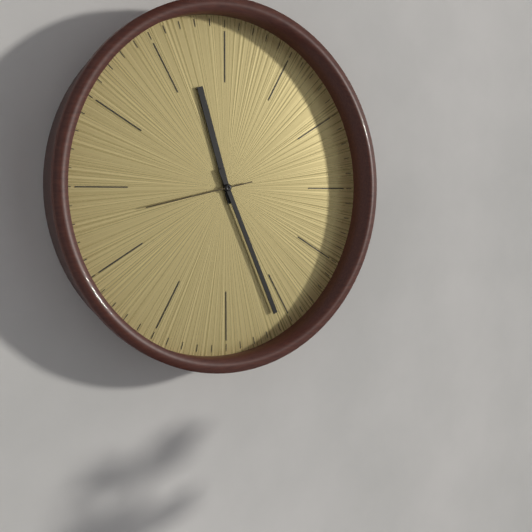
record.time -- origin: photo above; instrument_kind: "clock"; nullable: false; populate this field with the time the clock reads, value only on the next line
11:26:43
